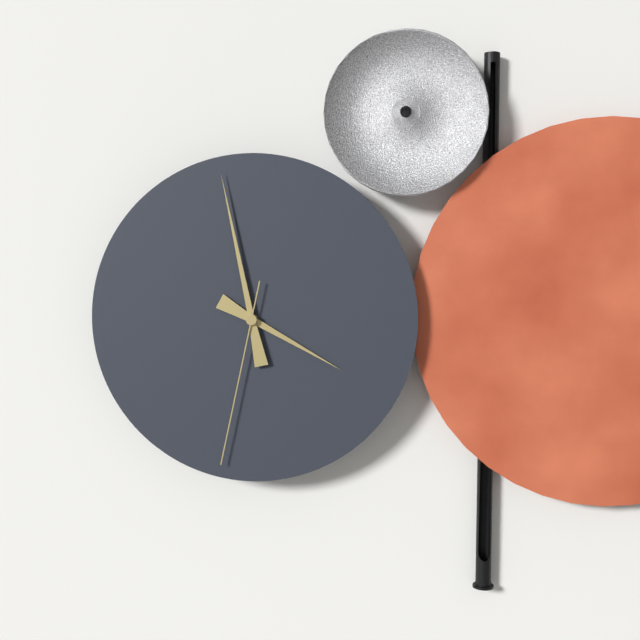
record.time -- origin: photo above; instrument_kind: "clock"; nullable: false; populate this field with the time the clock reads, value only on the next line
3:58:32
